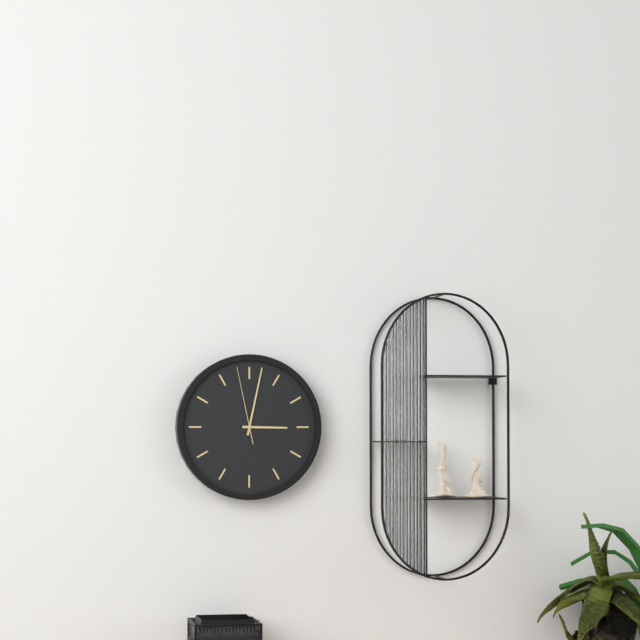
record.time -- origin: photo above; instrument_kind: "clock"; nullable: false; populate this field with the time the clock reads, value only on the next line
3:02:58
